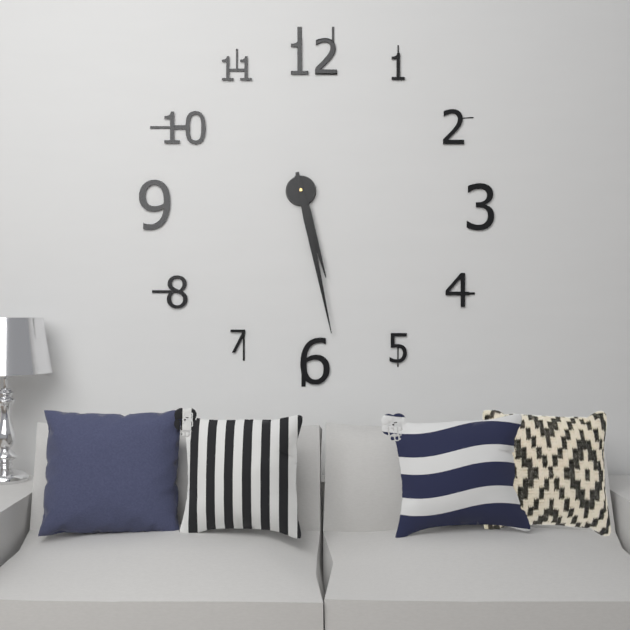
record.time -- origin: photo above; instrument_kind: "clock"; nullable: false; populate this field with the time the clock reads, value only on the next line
5:28
